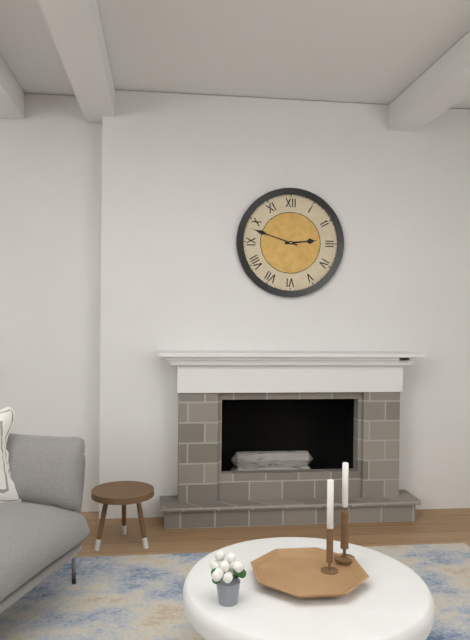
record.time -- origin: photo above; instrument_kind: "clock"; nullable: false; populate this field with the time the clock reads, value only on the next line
2:48
